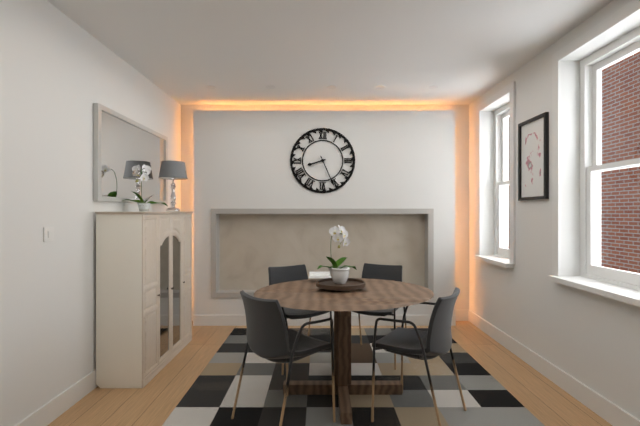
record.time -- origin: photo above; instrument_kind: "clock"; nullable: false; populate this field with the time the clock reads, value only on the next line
8:26
